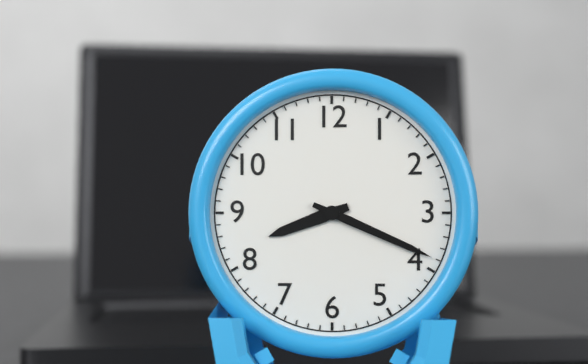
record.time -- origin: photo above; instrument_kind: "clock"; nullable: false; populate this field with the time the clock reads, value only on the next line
8:19
